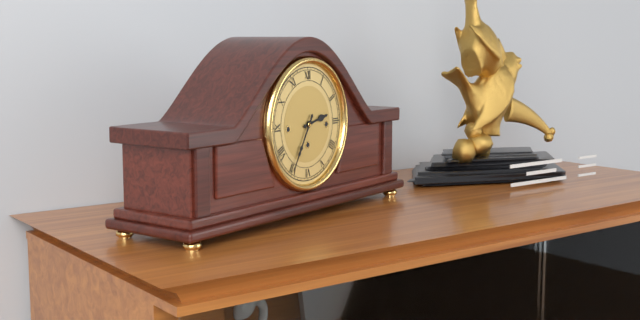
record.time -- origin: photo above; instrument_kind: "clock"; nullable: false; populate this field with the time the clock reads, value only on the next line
2:35
